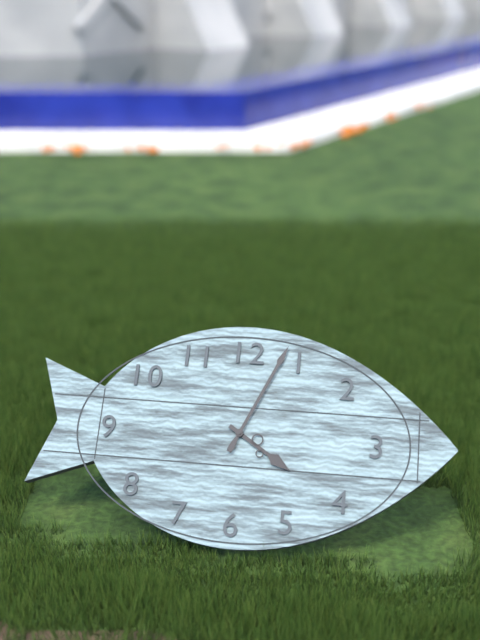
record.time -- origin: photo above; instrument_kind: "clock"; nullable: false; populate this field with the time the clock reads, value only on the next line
4:04
